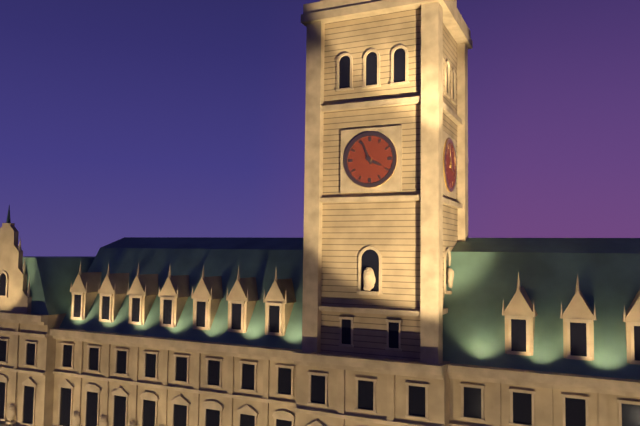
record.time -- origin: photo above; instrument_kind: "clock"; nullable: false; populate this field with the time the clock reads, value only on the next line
3:56
